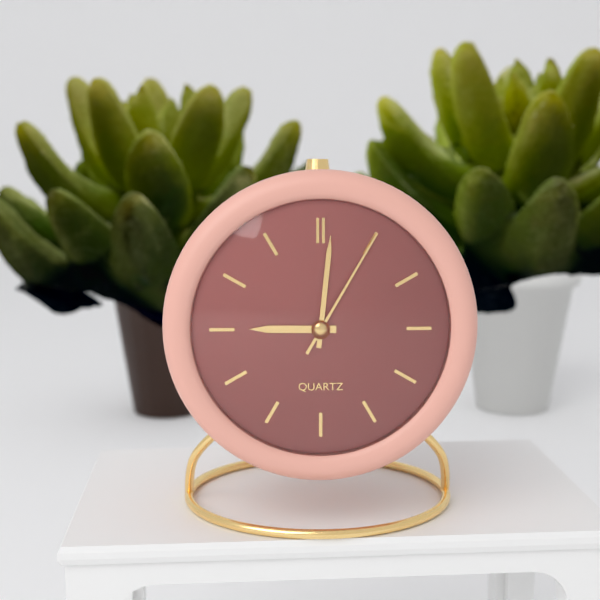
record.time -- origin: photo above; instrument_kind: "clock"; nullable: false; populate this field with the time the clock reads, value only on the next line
9:01:05
